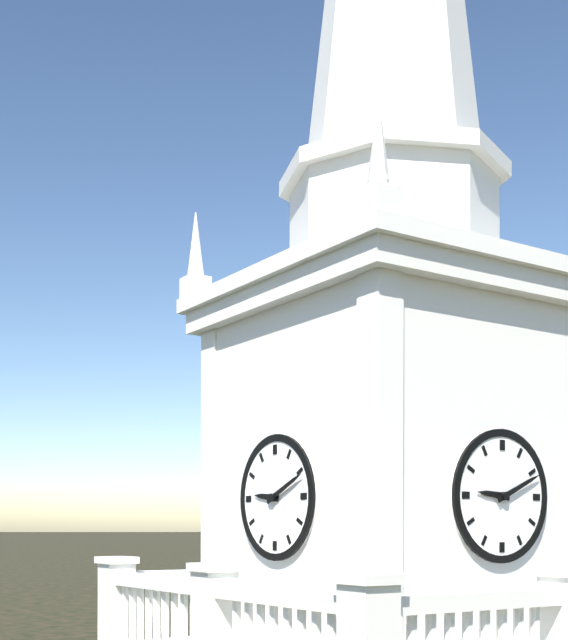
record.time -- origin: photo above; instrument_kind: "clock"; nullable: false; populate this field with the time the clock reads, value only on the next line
9:11
